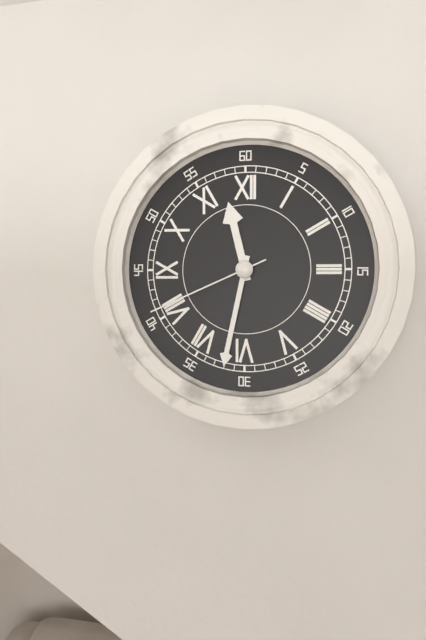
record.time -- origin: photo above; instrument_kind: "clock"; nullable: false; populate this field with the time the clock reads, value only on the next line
11:32:41
